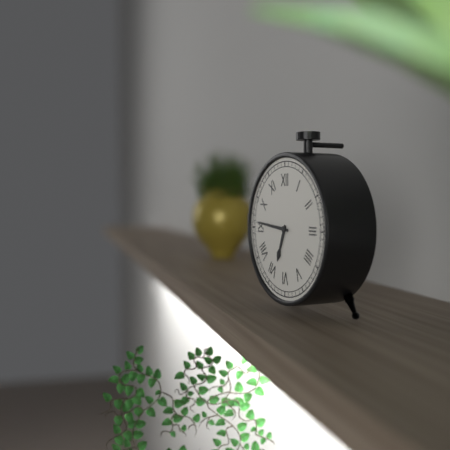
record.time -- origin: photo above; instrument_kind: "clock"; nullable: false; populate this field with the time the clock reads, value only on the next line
6:46
